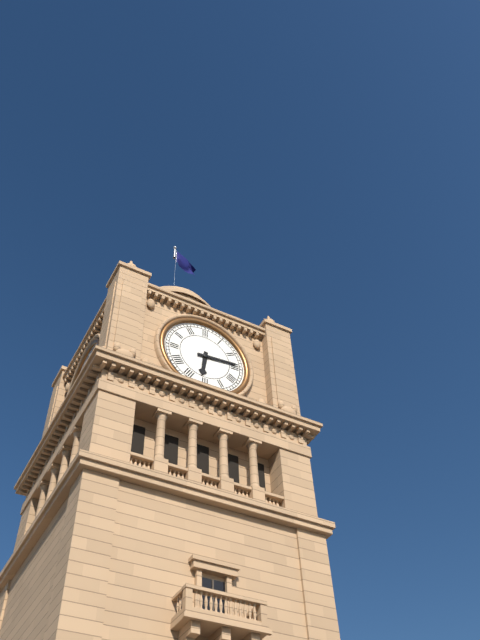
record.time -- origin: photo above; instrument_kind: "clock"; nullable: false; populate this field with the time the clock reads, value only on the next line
6:14
